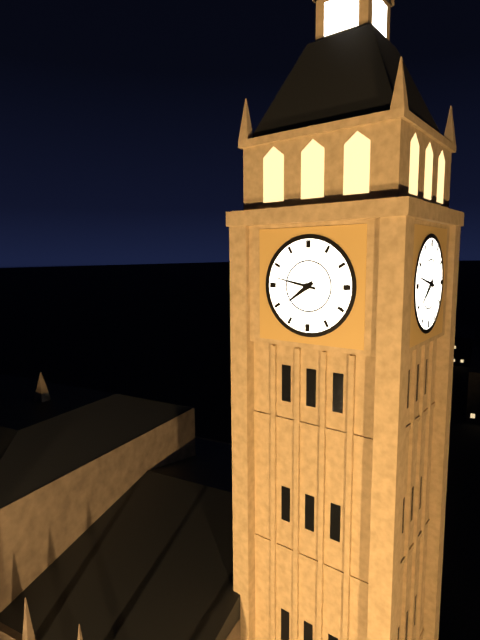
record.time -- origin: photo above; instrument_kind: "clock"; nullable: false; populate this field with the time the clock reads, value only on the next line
7:47
